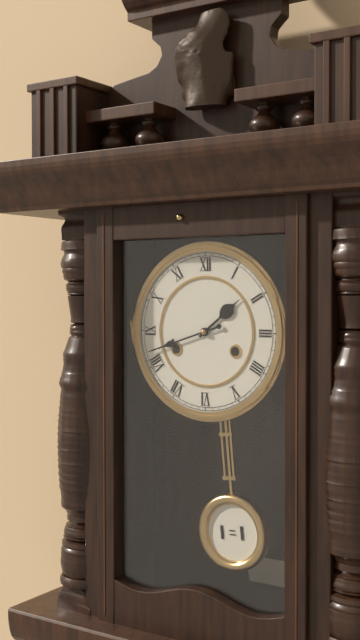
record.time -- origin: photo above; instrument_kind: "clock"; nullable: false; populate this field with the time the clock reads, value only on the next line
1:42
